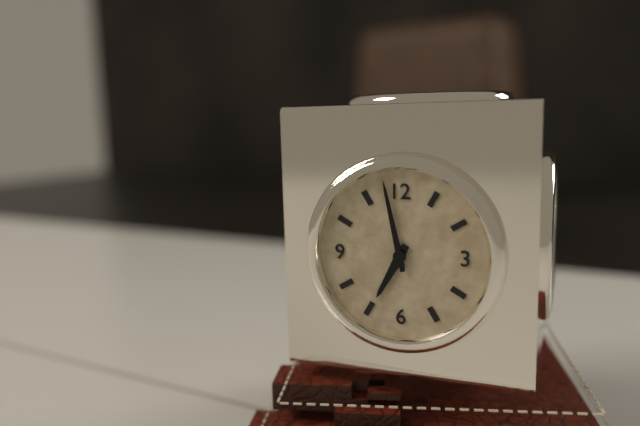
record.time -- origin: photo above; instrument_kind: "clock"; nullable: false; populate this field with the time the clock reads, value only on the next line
6:58
